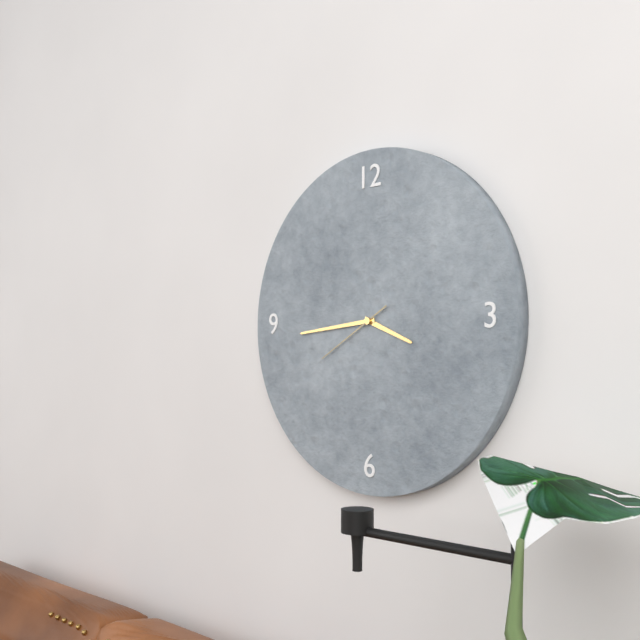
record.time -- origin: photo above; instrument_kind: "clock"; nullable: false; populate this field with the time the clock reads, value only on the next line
3:44:40
